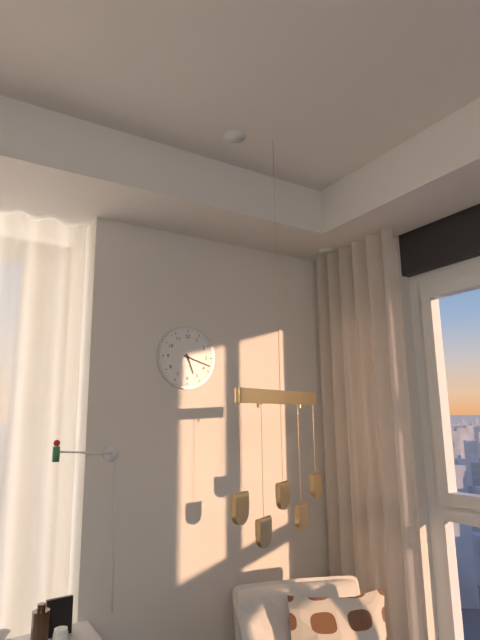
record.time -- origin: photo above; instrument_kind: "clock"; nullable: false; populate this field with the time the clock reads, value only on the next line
5:18
